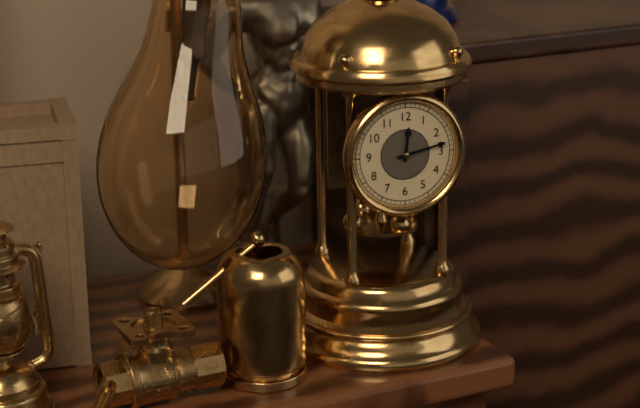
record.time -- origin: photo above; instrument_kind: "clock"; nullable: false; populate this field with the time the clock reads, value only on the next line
12:13
